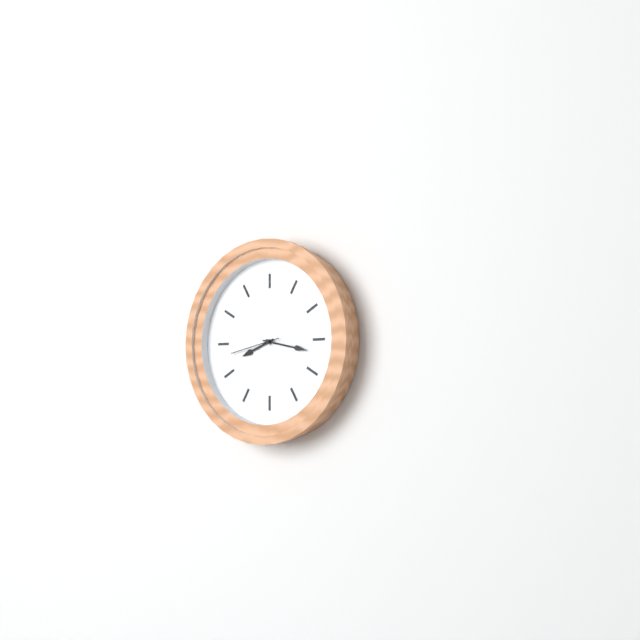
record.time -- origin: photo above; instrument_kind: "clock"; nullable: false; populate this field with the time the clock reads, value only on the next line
8:17
